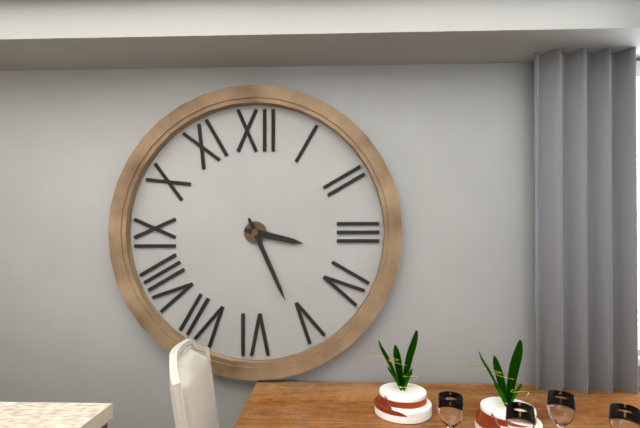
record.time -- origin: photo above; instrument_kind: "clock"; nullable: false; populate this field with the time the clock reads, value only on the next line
3:26
